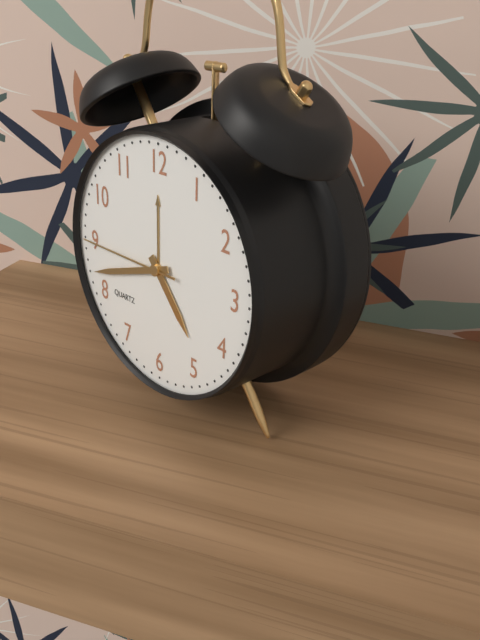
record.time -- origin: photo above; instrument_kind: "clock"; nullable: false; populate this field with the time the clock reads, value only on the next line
4:42:45
